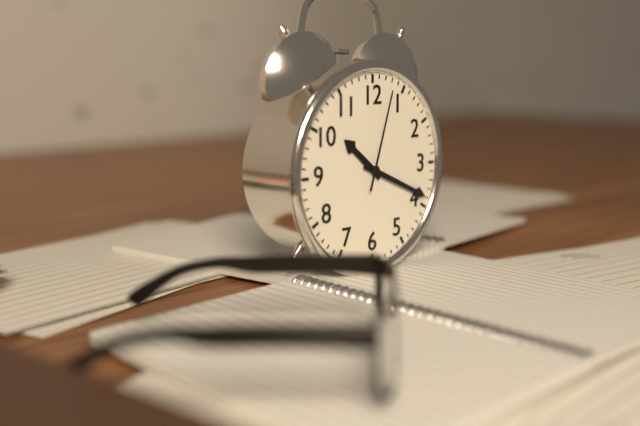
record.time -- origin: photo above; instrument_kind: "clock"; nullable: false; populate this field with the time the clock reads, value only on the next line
10:19:03
